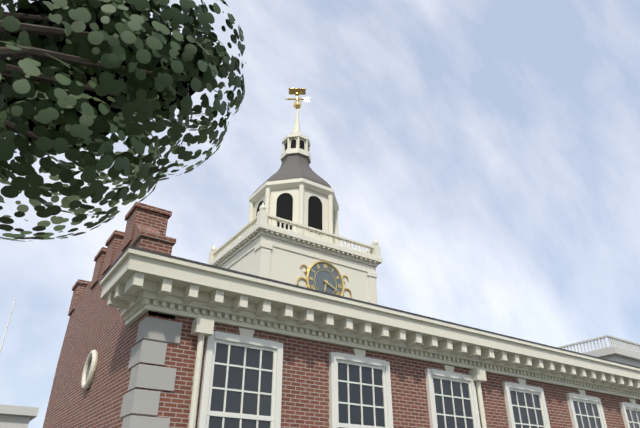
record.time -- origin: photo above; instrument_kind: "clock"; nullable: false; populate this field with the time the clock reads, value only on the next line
6:19
